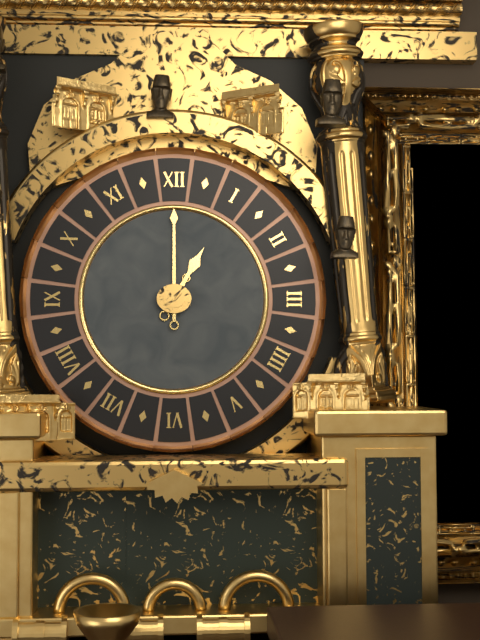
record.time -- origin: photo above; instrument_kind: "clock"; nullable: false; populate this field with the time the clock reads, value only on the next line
1:00
